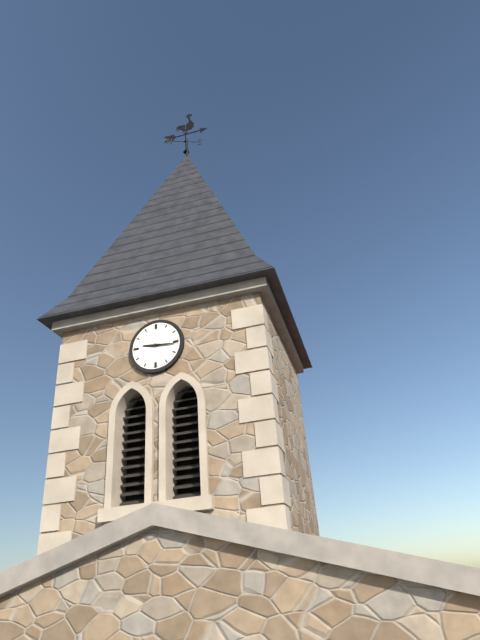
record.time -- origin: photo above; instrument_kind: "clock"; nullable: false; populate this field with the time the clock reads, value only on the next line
9:16
